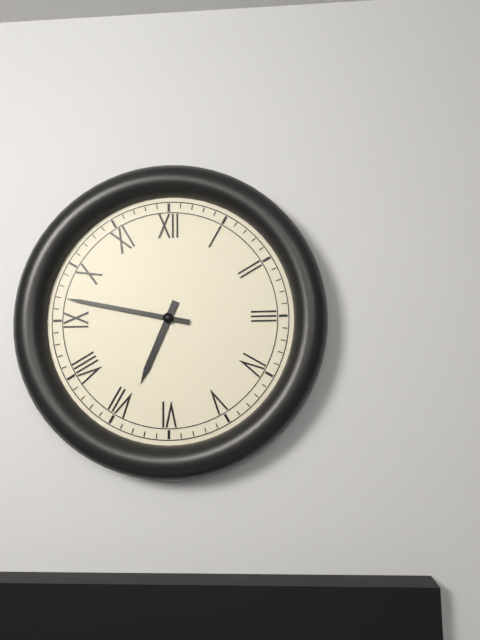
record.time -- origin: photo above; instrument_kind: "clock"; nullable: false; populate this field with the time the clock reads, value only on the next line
6:47
